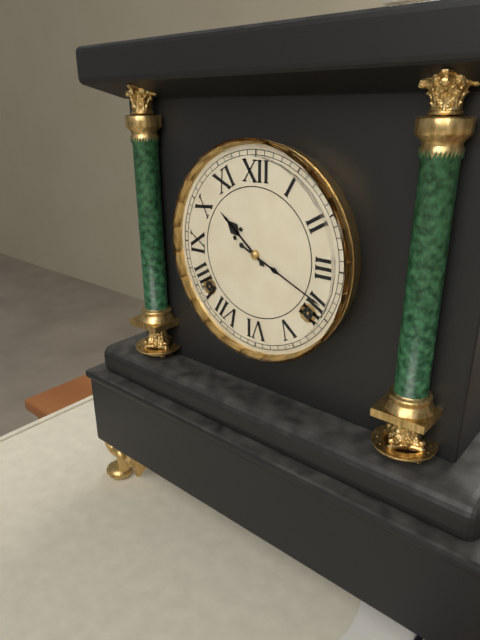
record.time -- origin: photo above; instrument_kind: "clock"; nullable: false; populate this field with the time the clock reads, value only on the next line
10:19
